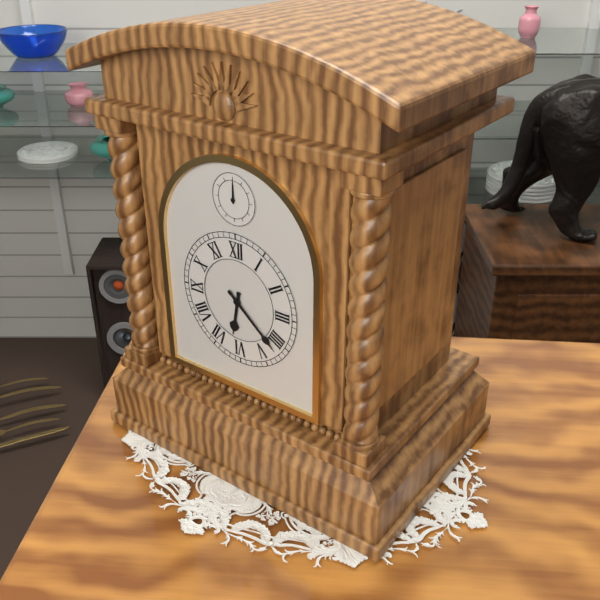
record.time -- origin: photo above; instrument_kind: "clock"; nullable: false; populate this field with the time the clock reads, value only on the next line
6:22
